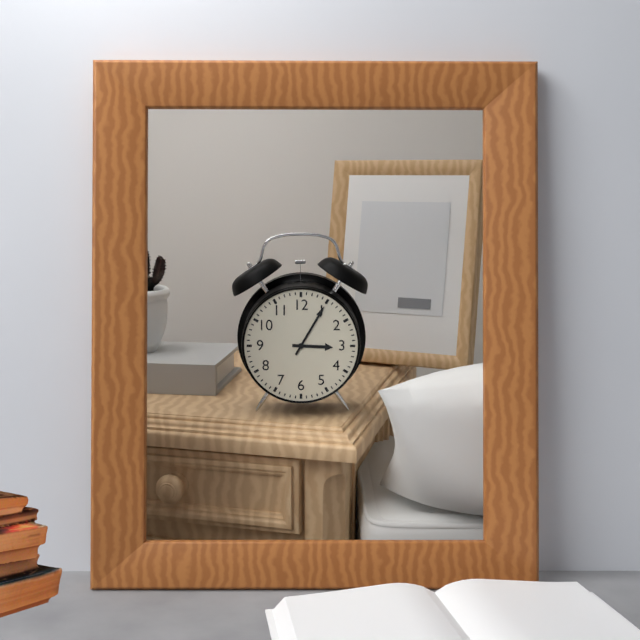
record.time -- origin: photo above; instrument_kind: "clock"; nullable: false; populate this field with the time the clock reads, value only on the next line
3:05
